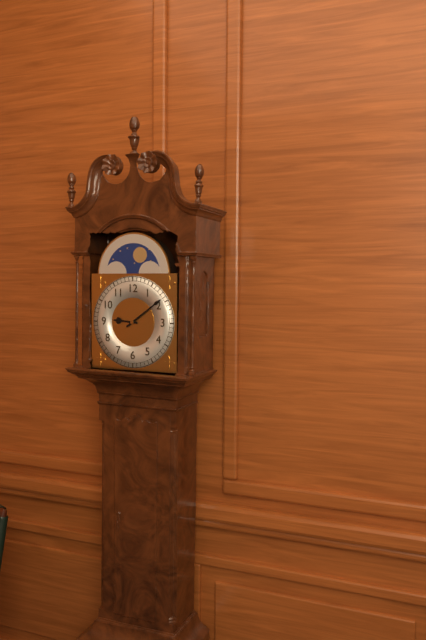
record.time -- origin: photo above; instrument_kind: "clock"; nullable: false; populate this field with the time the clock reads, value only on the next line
9:09
